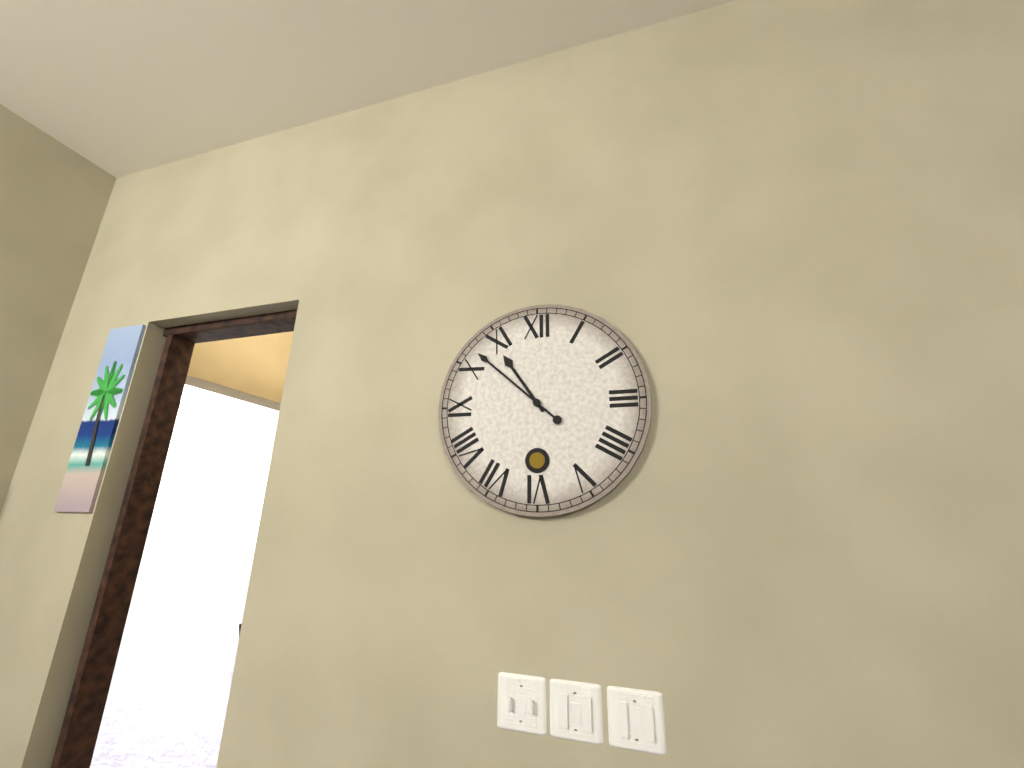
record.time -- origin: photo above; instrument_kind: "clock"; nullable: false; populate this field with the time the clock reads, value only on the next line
10:52
